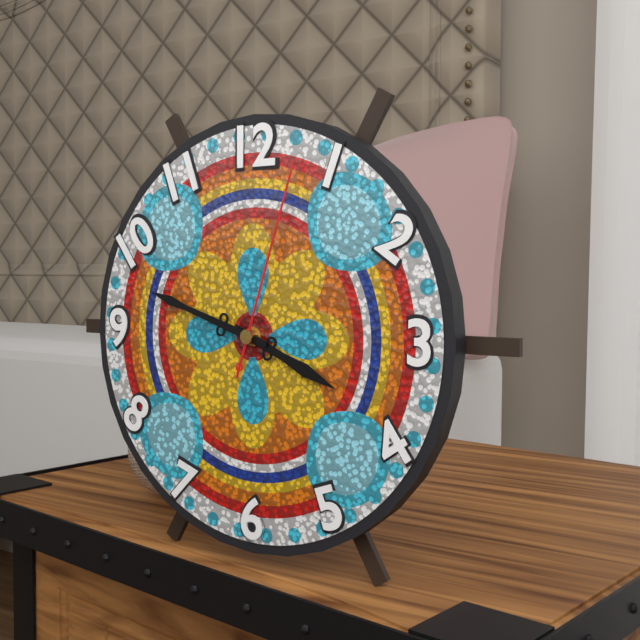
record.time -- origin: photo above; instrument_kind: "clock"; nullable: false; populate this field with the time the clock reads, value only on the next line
3:48:03
